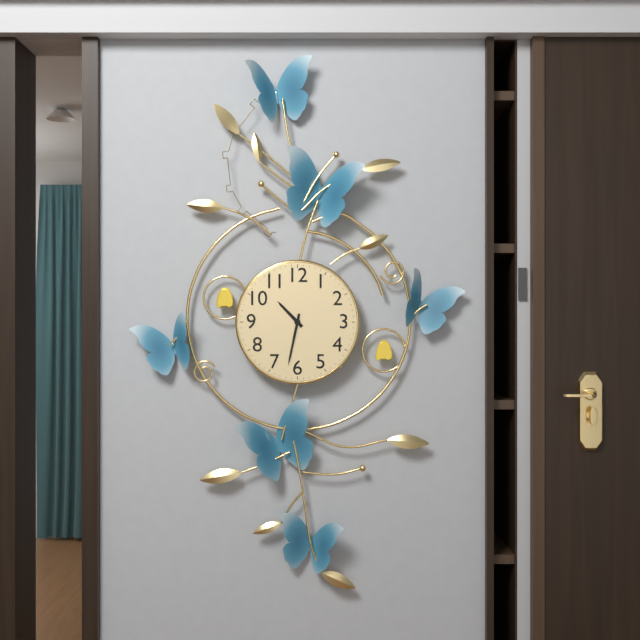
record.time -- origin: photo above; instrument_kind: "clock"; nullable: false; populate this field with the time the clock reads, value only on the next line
10:32
